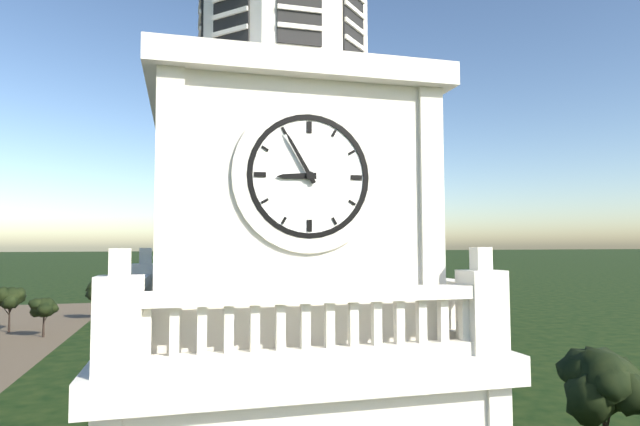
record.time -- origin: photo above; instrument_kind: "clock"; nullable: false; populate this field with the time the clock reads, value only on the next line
8:55
